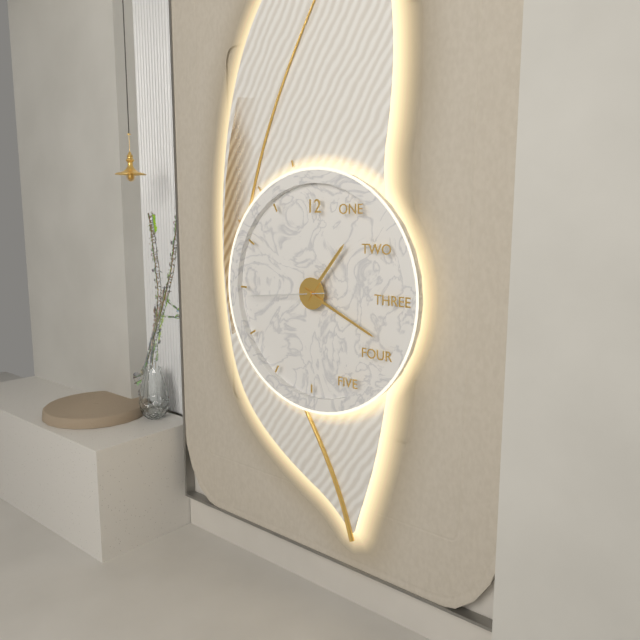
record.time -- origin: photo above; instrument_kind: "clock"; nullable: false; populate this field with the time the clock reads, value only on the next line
1:19:44
